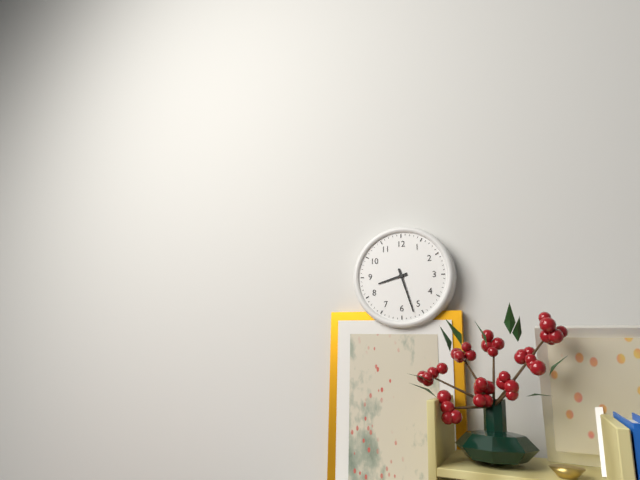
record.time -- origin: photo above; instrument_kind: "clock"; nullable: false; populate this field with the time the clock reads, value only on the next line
8:27
